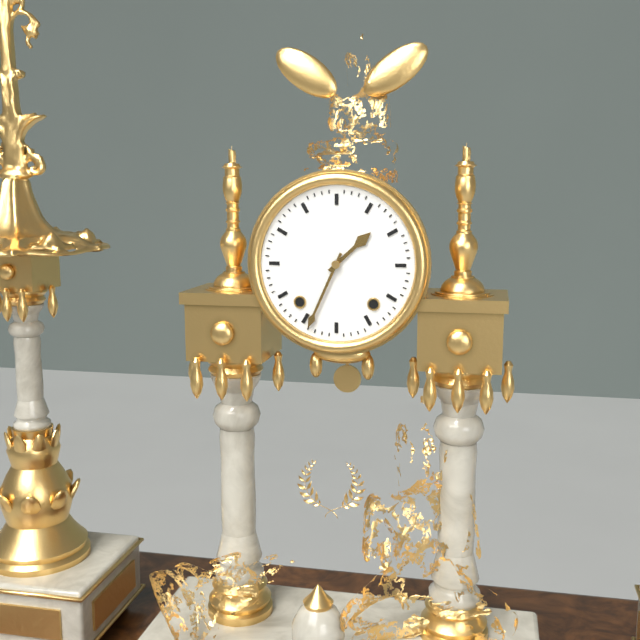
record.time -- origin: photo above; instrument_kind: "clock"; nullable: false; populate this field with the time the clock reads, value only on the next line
1:34
